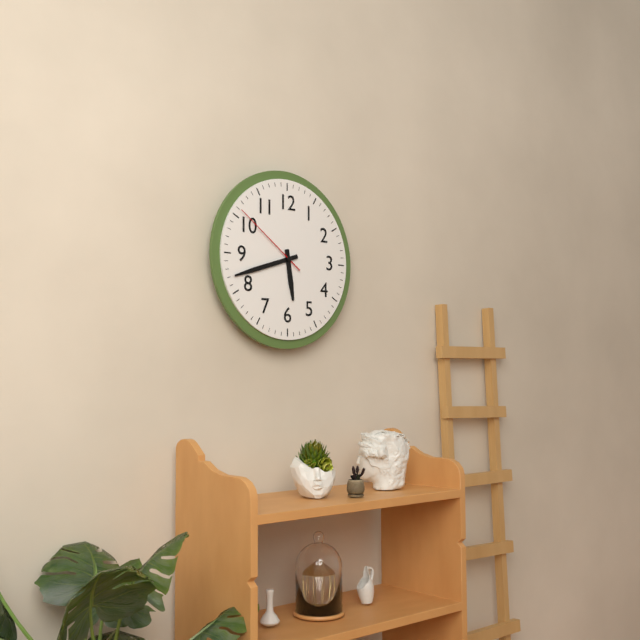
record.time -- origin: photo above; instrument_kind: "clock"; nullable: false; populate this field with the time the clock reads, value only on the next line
5:42:51
